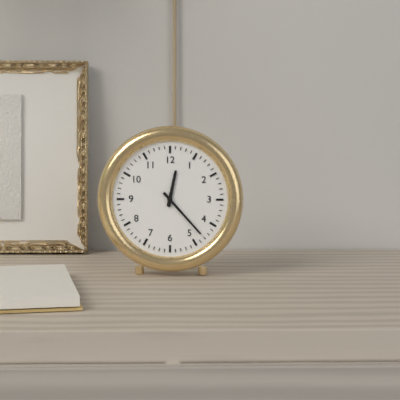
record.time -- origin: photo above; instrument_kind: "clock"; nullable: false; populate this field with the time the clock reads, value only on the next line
12:23
